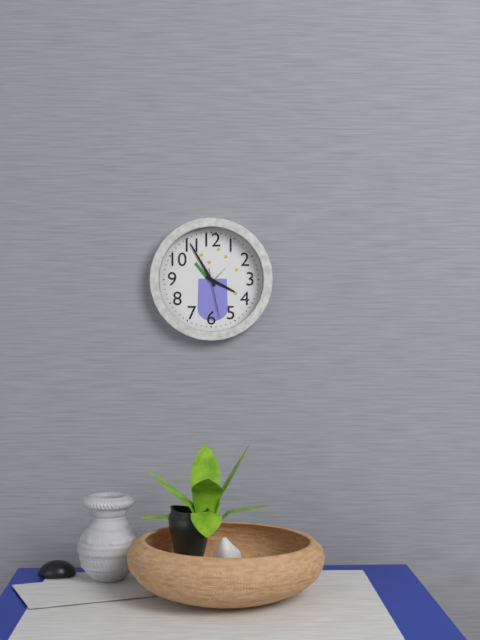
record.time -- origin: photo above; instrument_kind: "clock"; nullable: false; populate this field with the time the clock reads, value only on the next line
3:55:28
